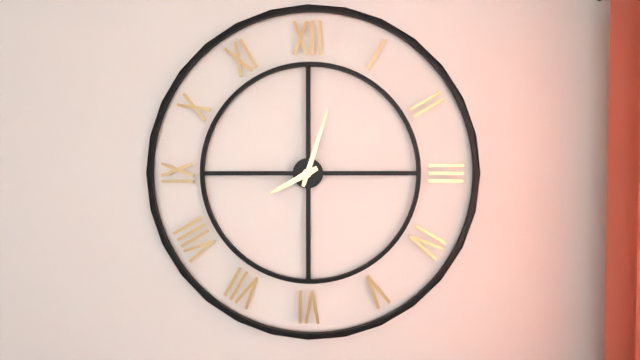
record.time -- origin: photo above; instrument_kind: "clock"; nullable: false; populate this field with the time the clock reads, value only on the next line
8:03
